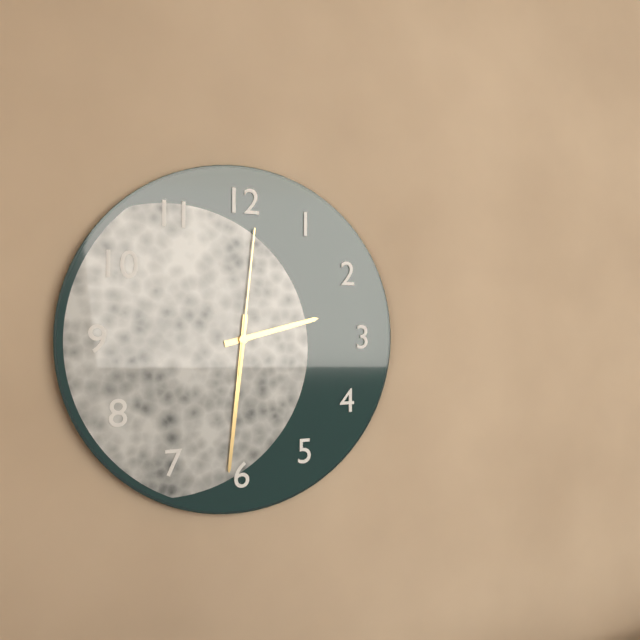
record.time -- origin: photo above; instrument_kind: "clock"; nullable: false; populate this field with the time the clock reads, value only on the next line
2:31:01
